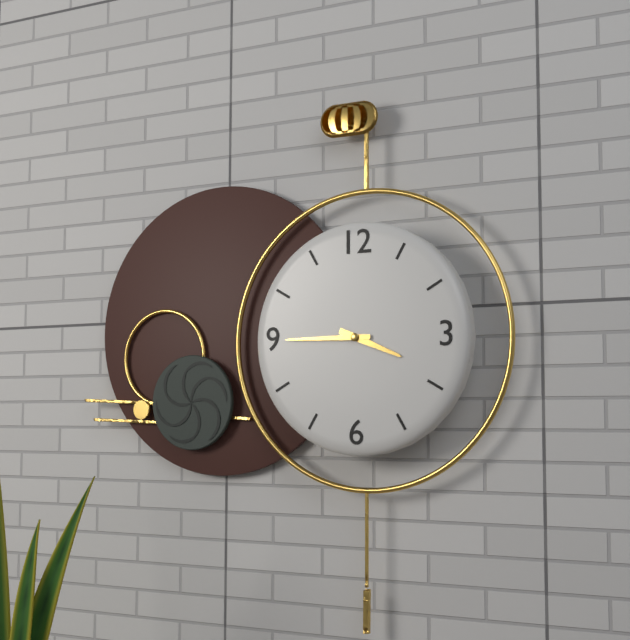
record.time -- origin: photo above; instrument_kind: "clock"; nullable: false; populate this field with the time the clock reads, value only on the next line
3:45
